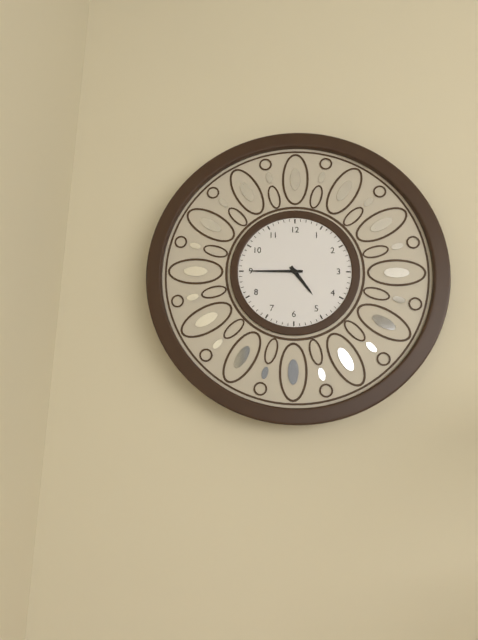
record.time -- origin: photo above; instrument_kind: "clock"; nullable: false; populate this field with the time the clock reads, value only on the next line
4:45
